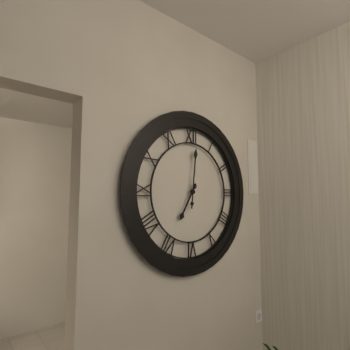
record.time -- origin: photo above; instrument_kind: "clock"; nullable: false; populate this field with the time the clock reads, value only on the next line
7:01
